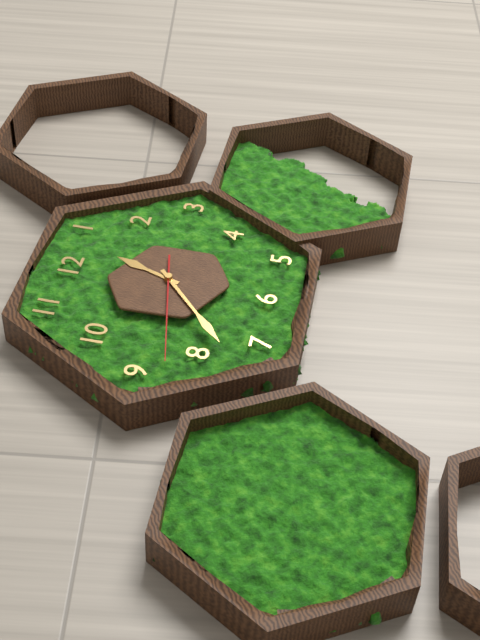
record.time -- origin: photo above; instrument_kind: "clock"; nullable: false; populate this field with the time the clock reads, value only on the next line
12:38:43
